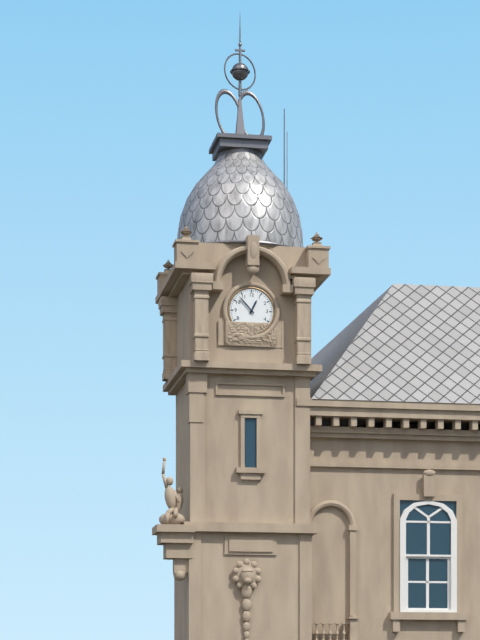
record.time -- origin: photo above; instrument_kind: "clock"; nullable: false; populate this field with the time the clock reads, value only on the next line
12:53
